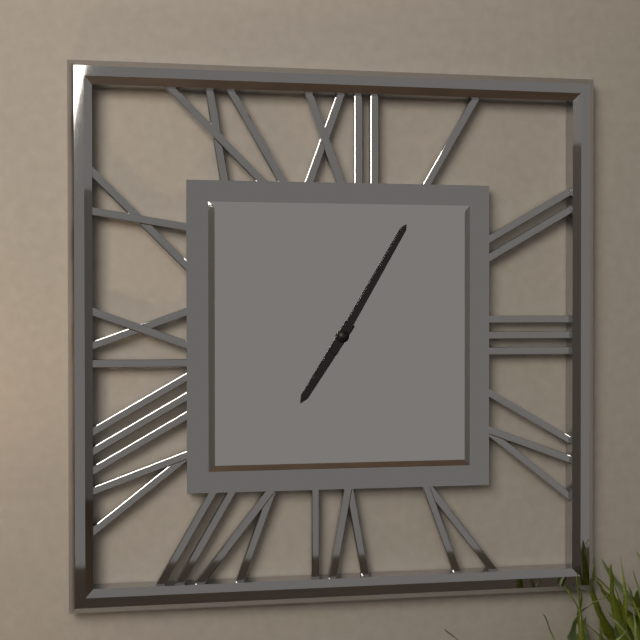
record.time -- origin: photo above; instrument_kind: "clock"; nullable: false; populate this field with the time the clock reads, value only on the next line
7:05
